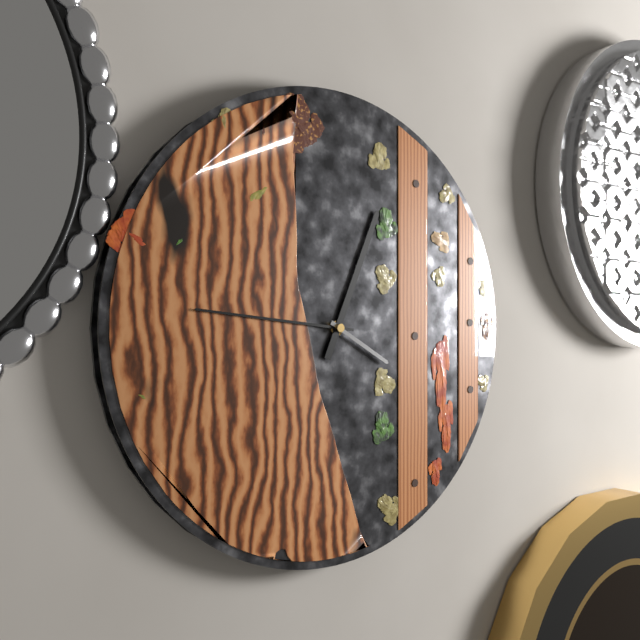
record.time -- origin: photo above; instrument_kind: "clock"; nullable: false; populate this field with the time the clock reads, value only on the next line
12:46:20
